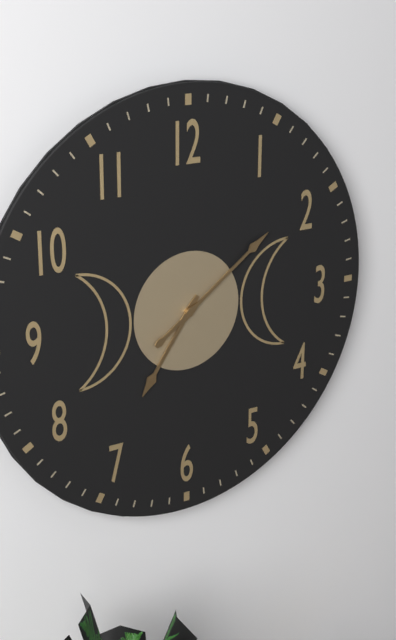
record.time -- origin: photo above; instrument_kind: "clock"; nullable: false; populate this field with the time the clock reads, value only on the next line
7:09
